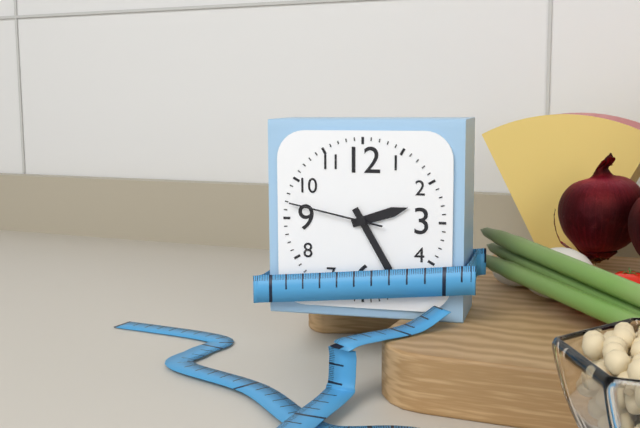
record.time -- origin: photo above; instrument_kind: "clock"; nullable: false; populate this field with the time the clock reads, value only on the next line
2:25:47
